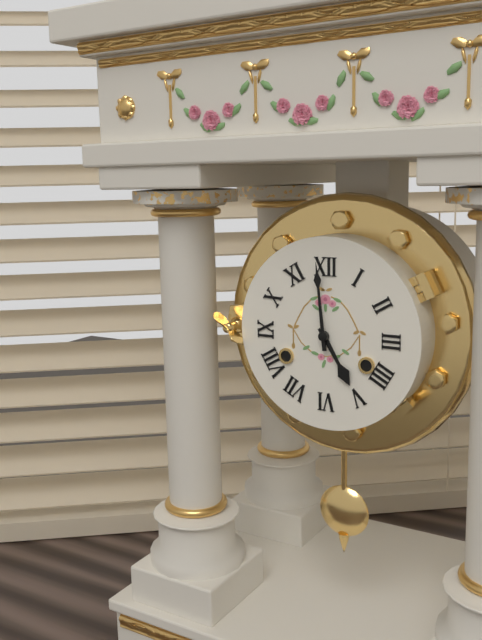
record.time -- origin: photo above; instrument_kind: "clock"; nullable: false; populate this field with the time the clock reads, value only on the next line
4:59
